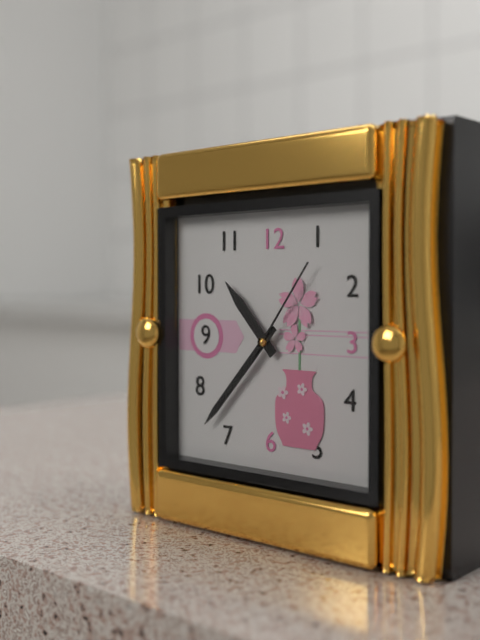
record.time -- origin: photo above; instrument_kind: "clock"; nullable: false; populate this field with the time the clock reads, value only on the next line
10:37:06
